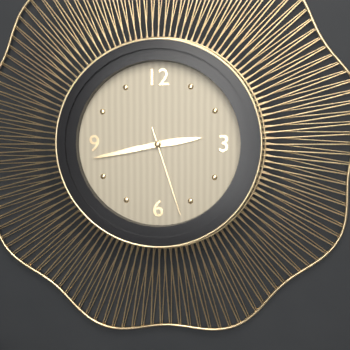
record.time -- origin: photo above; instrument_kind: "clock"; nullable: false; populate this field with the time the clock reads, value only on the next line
2:43:27
